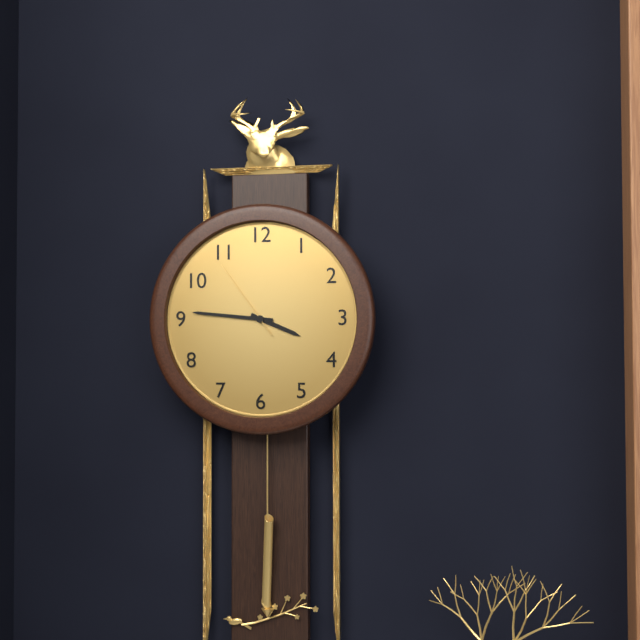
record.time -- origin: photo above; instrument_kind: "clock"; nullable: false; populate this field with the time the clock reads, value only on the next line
3:46:54
